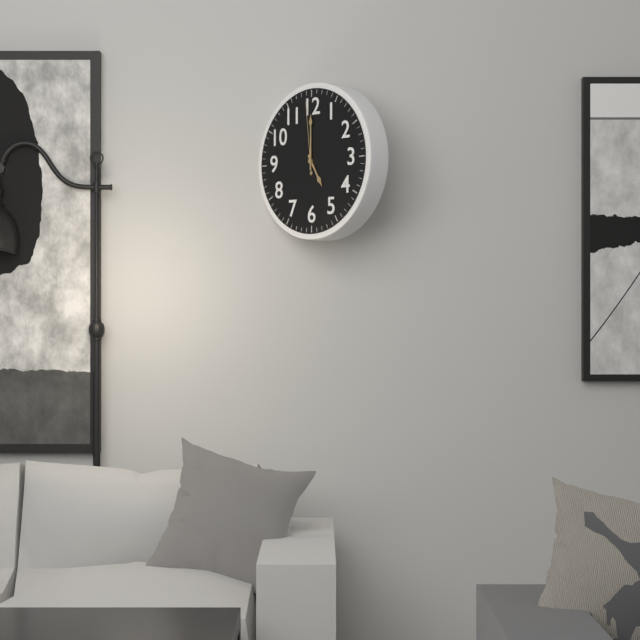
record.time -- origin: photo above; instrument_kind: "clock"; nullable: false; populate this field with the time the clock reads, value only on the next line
5:00:59
